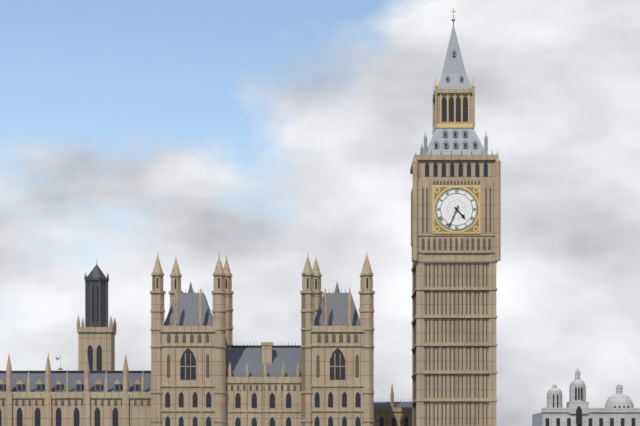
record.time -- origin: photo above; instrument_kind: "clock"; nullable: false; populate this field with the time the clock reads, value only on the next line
4:34
